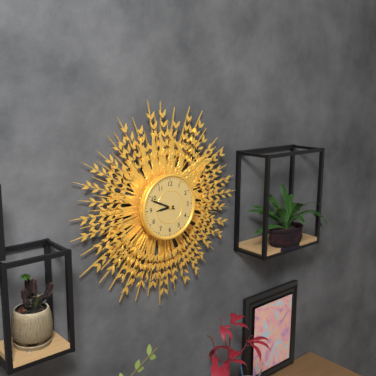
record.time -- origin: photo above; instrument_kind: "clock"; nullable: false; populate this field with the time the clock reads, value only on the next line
8:49
